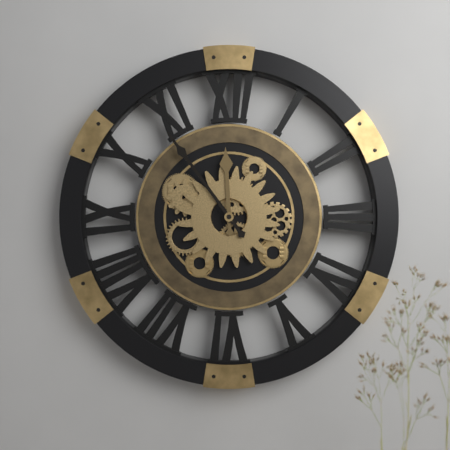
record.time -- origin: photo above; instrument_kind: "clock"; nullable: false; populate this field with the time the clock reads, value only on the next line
11:54
